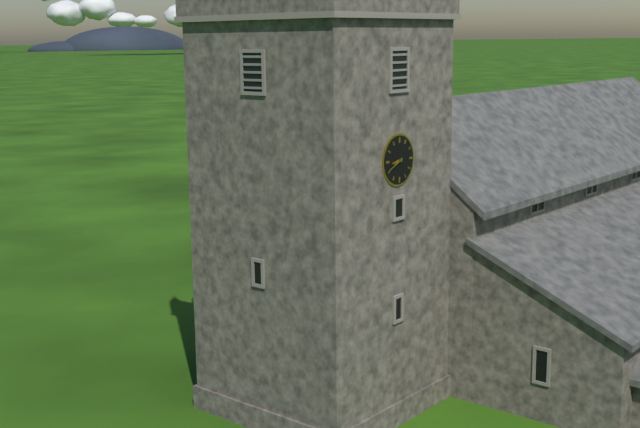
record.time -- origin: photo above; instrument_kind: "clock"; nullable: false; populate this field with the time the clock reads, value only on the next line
8:41
